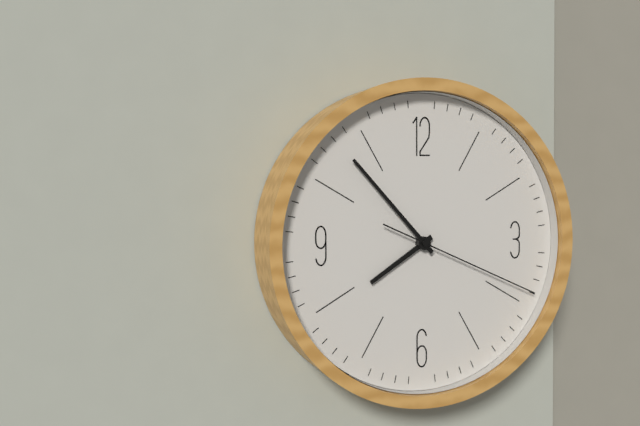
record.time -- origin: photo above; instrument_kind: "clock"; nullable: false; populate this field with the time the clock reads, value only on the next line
7:53:19
